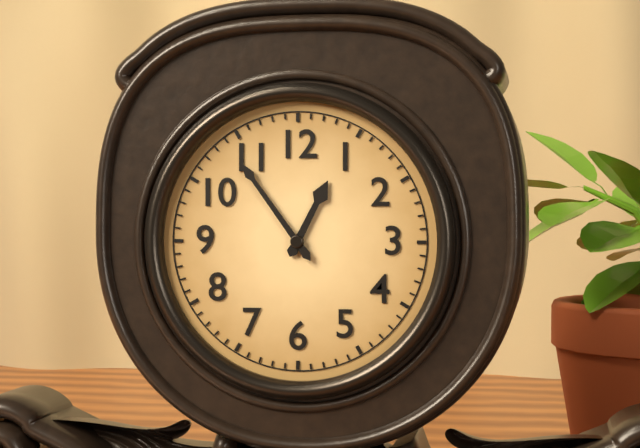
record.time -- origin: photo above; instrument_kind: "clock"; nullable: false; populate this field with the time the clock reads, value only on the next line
12:54
